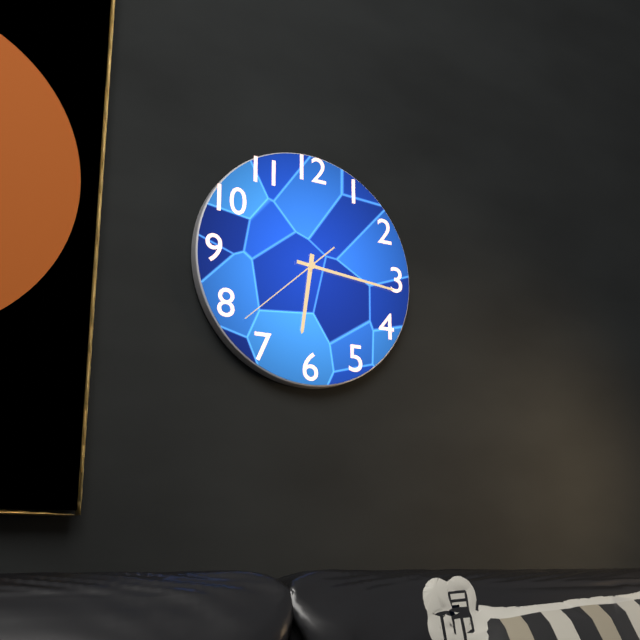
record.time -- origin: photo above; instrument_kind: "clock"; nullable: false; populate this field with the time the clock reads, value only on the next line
6:16:38
